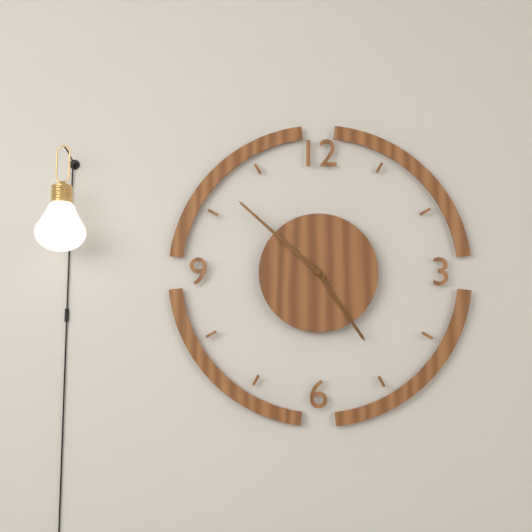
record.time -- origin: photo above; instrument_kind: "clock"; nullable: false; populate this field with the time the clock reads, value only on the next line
4:52
